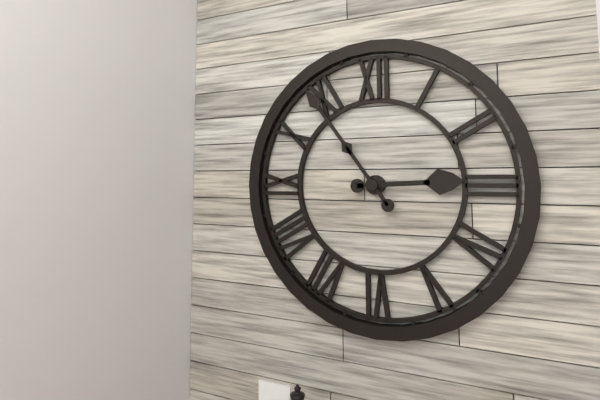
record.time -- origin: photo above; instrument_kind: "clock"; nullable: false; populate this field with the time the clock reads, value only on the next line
2:54
